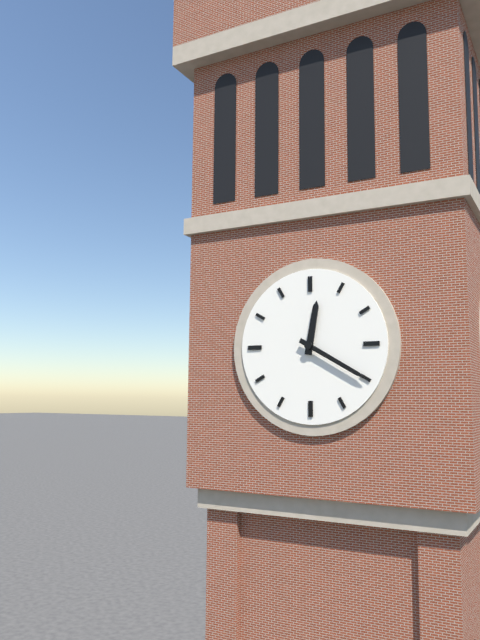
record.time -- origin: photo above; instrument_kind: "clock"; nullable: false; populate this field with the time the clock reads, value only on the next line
12:20
